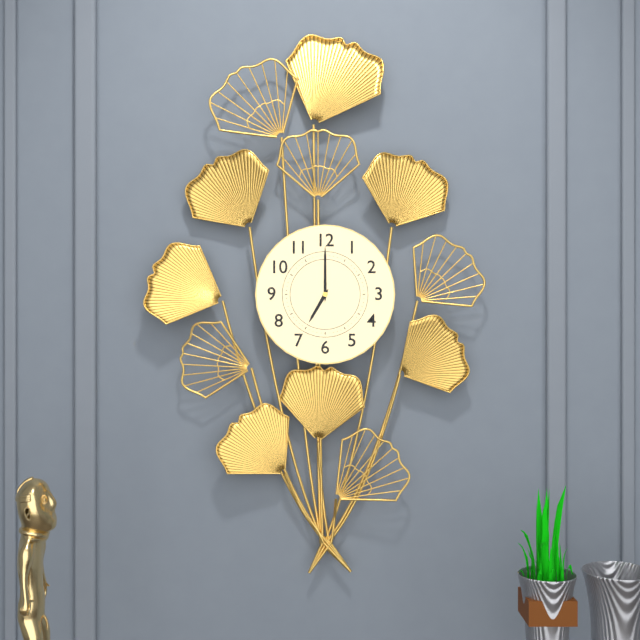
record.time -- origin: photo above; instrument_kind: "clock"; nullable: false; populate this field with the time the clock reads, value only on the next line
7:00
